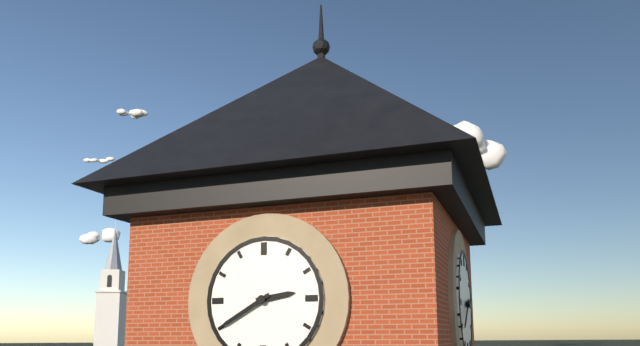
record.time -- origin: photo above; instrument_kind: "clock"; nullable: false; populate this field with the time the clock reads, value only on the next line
2:40
